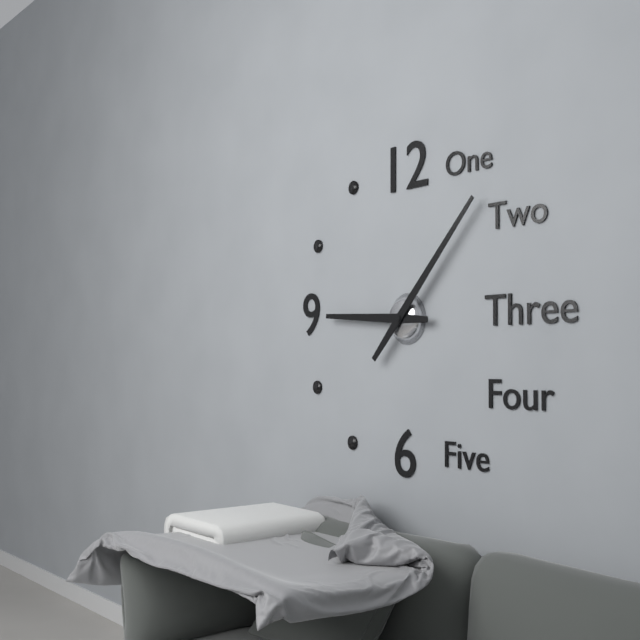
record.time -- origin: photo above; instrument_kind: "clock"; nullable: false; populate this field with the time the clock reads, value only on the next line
9:07
